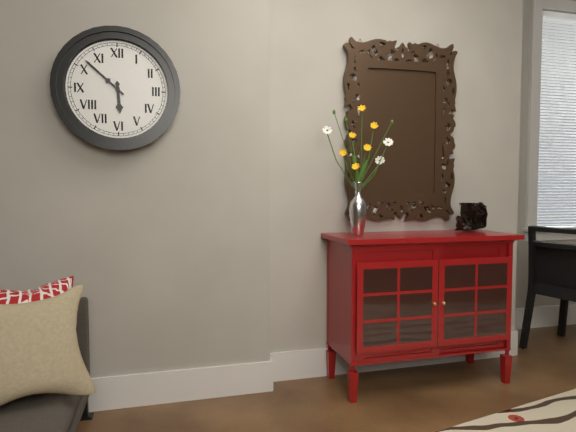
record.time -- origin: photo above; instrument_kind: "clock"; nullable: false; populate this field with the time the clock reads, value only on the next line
5:52
